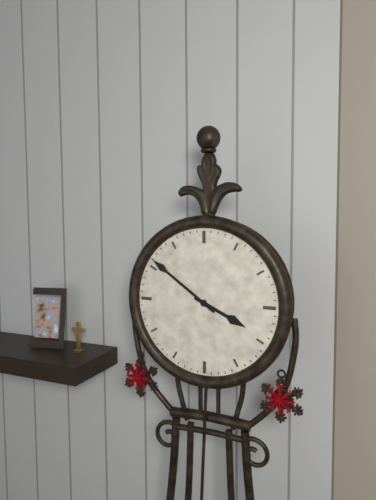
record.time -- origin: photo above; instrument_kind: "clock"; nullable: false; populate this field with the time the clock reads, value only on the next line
3:51
